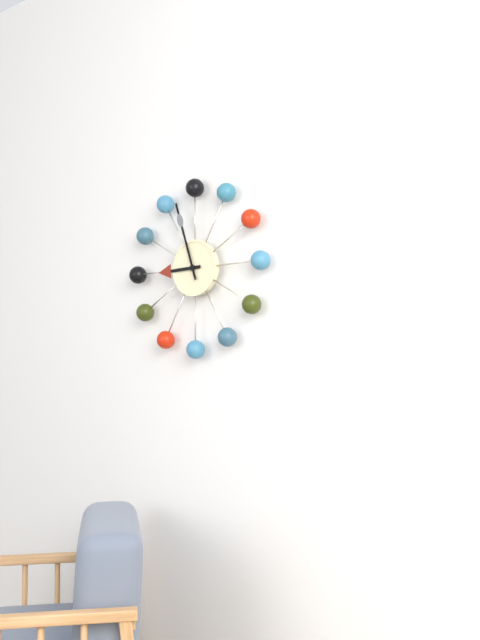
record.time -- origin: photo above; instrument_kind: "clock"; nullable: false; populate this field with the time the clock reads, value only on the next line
8:57
